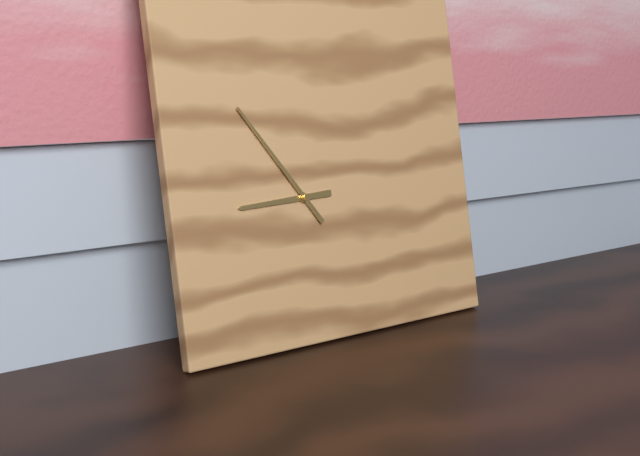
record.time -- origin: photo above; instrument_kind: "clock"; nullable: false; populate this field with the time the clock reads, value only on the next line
8:54
